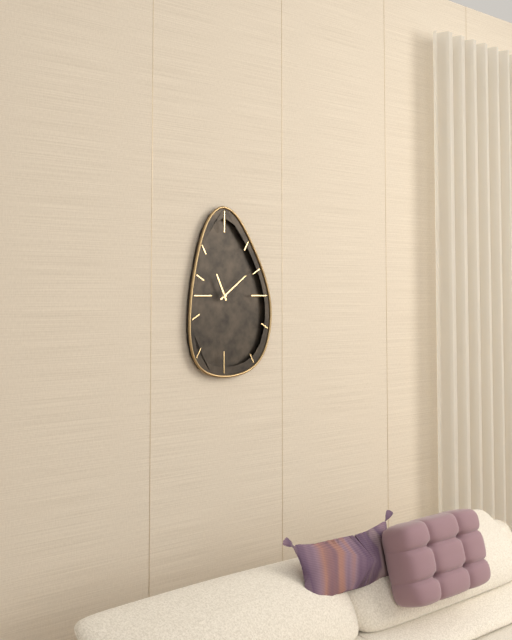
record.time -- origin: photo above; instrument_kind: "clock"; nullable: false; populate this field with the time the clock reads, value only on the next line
11:09
